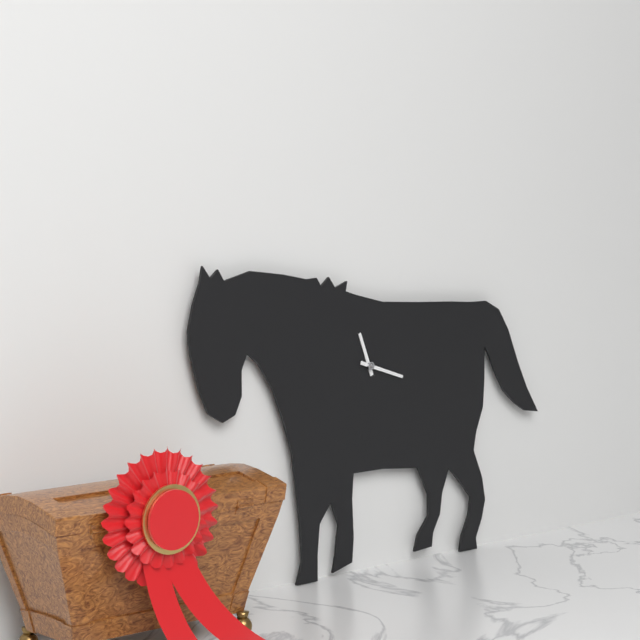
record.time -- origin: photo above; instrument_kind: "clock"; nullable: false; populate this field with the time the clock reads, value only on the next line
11:18
